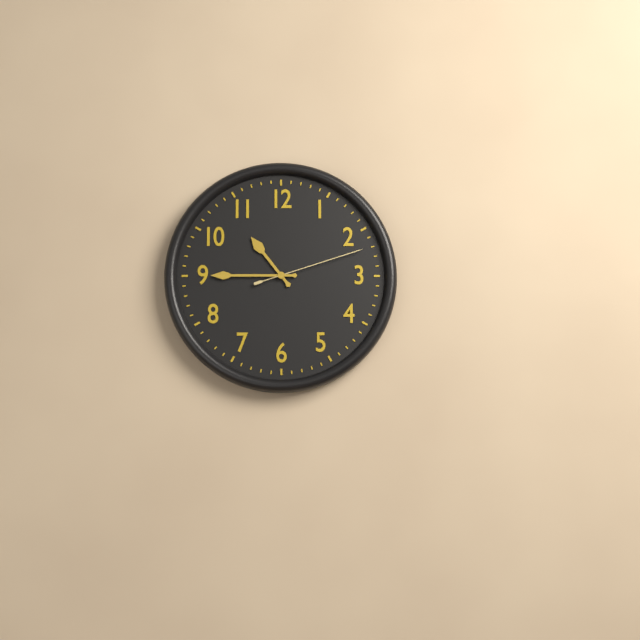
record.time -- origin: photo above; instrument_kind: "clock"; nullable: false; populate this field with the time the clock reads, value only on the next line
10:45:12
